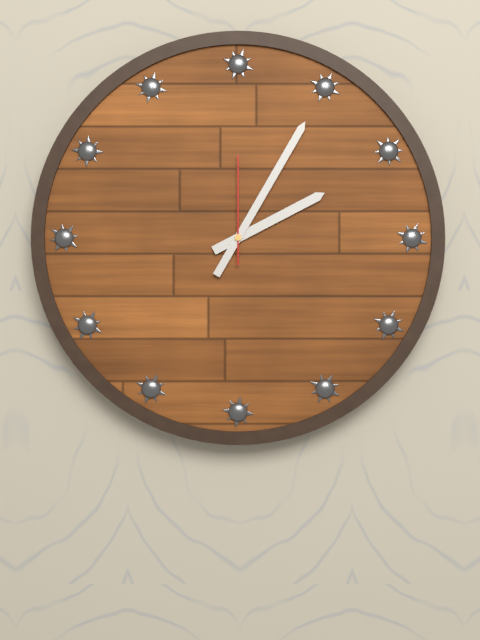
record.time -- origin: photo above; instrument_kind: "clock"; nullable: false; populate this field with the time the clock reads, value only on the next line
2:05:00
